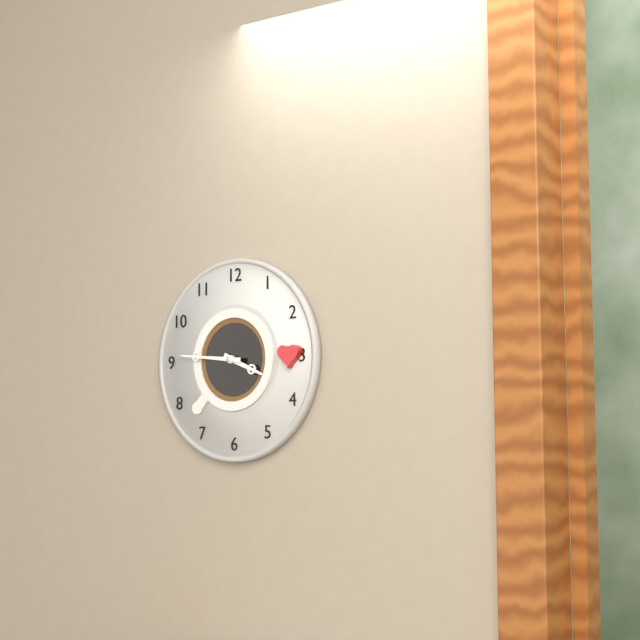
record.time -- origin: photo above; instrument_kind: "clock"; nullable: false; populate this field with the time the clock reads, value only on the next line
3:46
